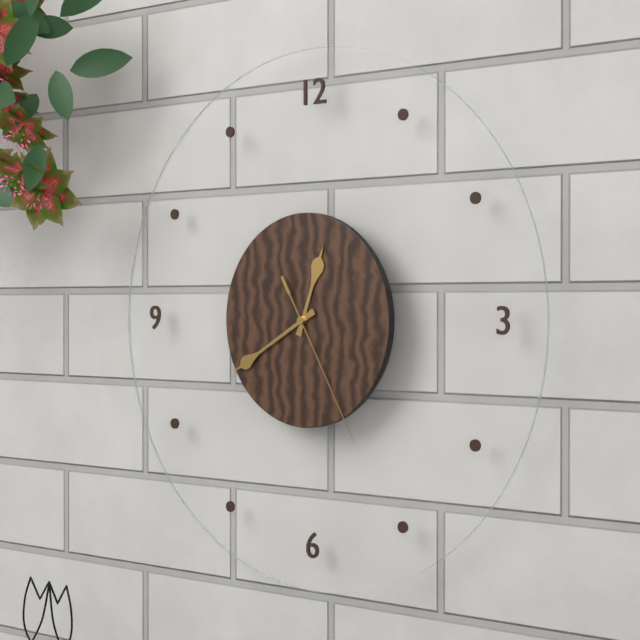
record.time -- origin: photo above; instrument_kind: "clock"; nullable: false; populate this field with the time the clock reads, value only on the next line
12:40:25
